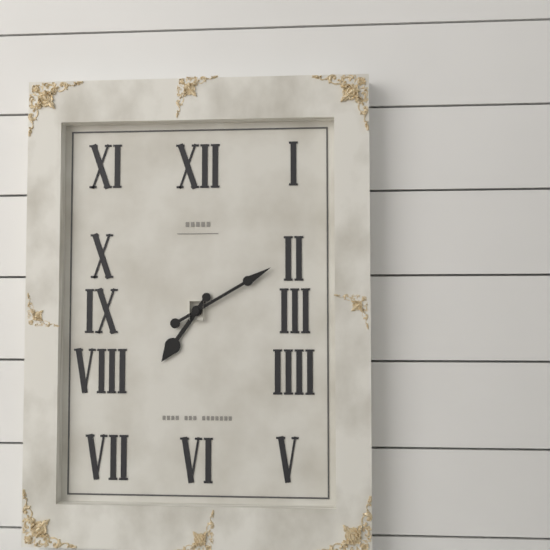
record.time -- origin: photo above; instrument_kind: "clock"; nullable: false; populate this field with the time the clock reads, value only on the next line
7:10
